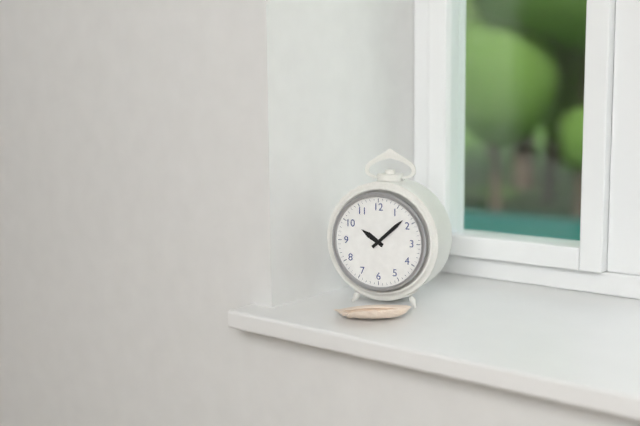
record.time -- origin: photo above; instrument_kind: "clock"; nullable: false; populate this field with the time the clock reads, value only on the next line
10:08
